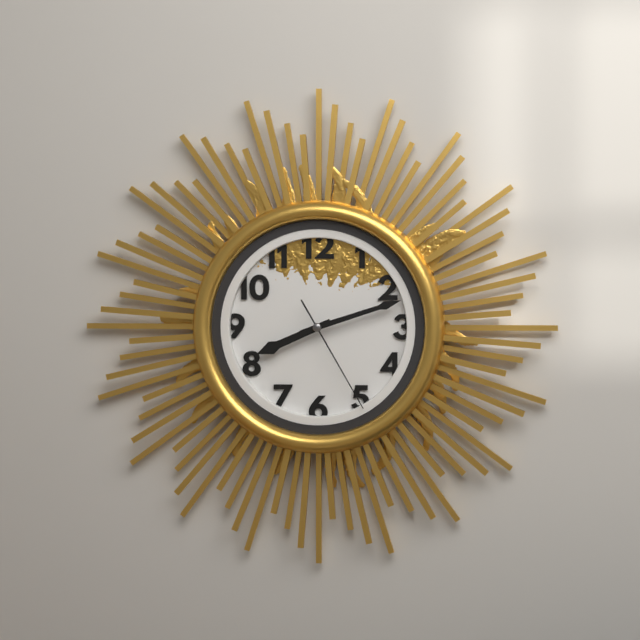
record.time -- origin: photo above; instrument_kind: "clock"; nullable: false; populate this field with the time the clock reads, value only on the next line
8:12:25
